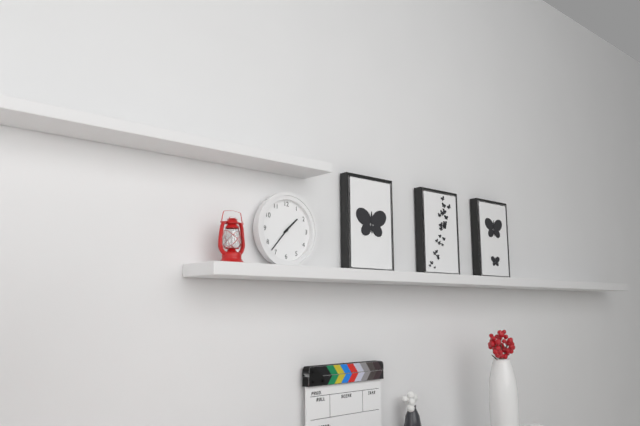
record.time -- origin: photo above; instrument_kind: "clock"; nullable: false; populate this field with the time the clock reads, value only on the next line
1:37
